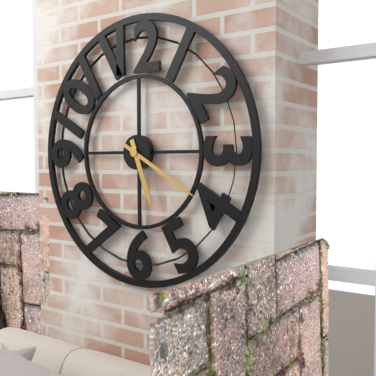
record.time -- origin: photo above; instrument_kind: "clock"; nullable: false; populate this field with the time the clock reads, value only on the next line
5:20
